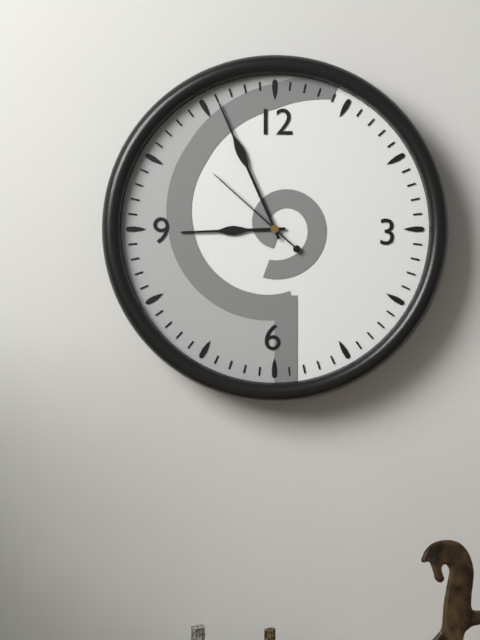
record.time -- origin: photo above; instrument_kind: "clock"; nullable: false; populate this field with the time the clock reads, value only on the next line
8:56:52
